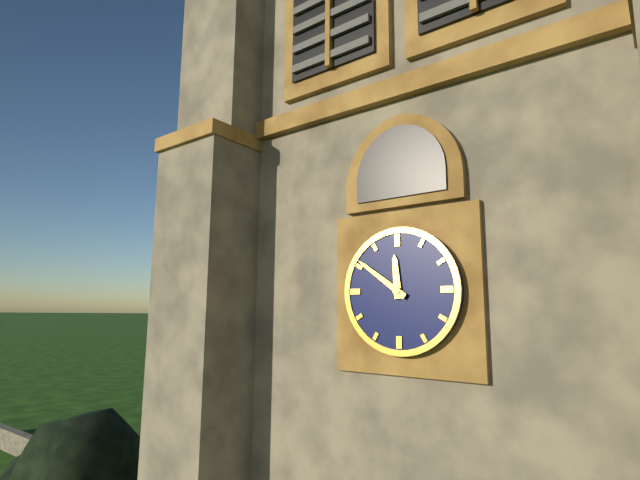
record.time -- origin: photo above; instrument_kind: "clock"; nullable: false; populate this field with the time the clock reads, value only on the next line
11:51
